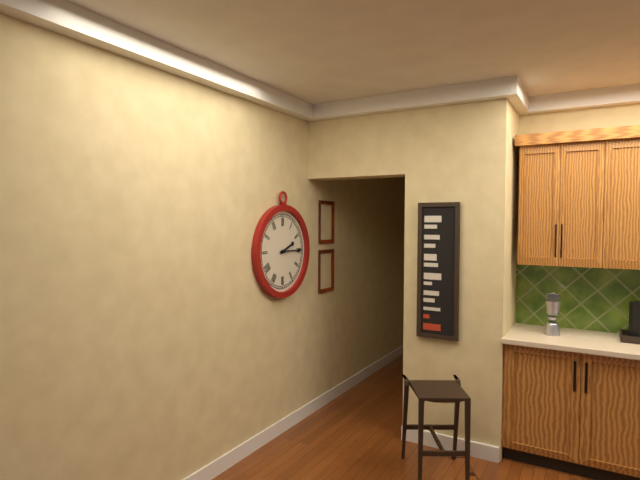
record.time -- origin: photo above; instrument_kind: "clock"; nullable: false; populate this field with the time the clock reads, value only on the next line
2:15
